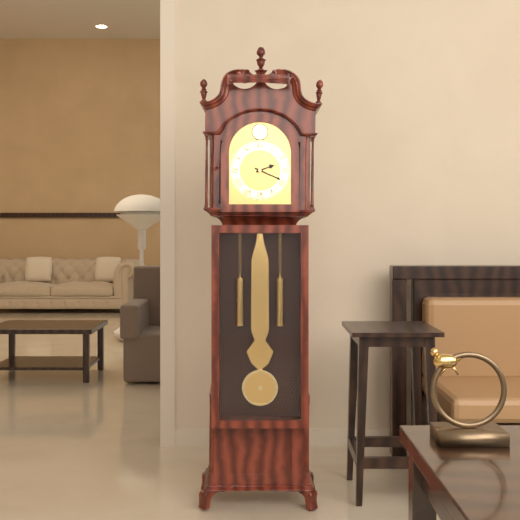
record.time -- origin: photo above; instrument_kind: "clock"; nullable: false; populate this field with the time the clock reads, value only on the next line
2:19
